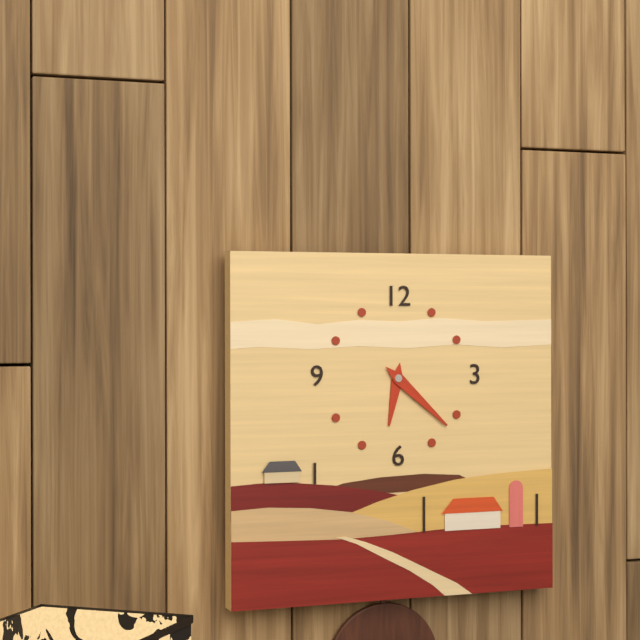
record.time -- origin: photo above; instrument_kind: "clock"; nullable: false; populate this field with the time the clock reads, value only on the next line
6:22
